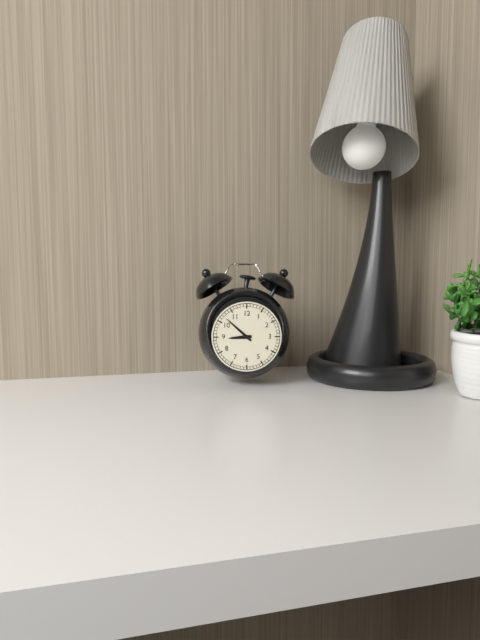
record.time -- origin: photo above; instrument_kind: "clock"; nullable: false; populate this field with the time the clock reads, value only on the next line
8:52
